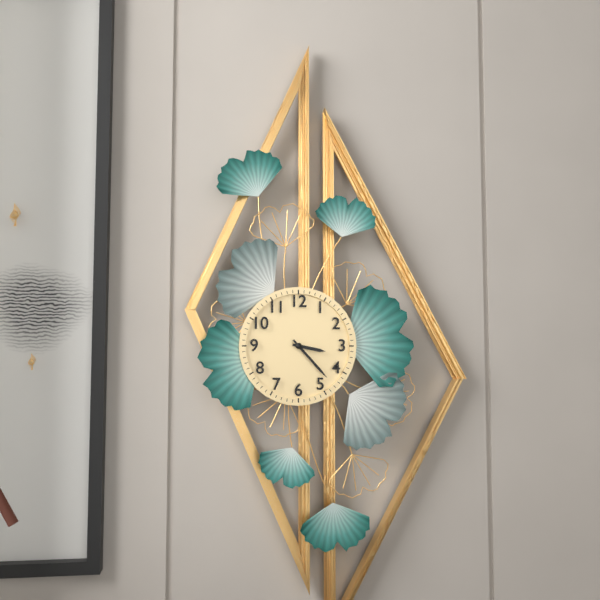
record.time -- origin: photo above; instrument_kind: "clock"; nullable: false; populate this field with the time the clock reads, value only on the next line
3:23
